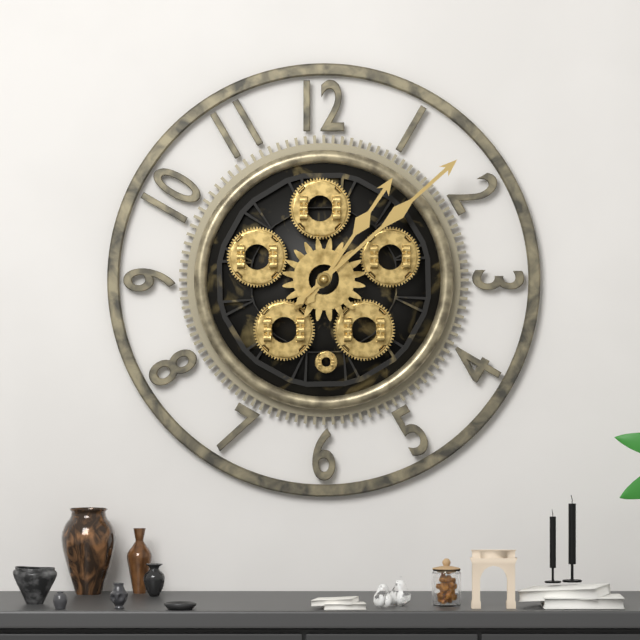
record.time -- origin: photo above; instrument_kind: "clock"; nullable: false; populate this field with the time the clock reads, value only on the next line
1:08
